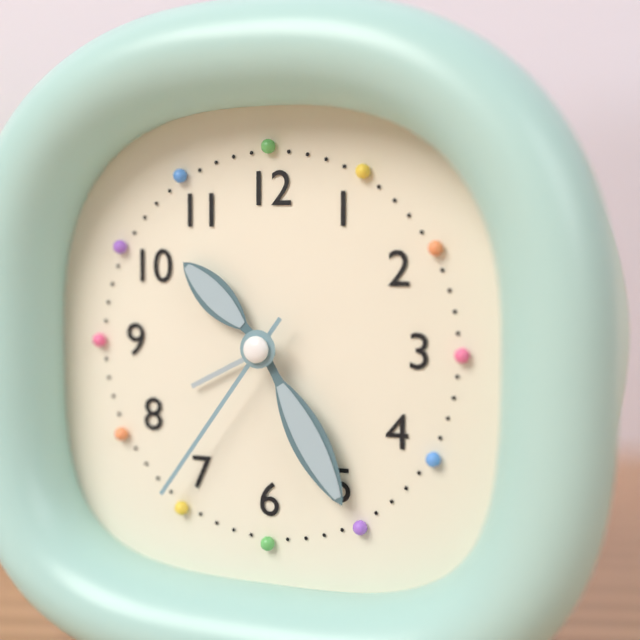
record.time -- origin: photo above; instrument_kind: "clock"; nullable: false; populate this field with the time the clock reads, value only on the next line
10:25:36
